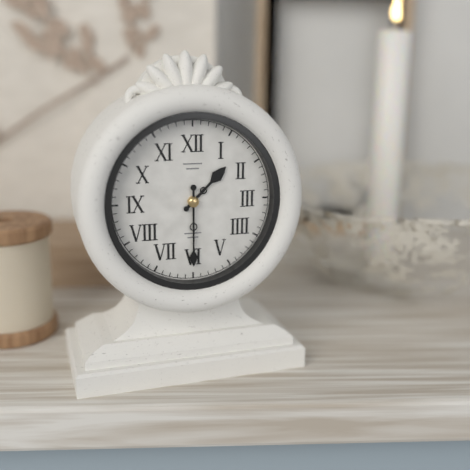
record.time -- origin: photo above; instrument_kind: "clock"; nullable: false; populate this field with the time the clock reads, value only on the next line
1:30
